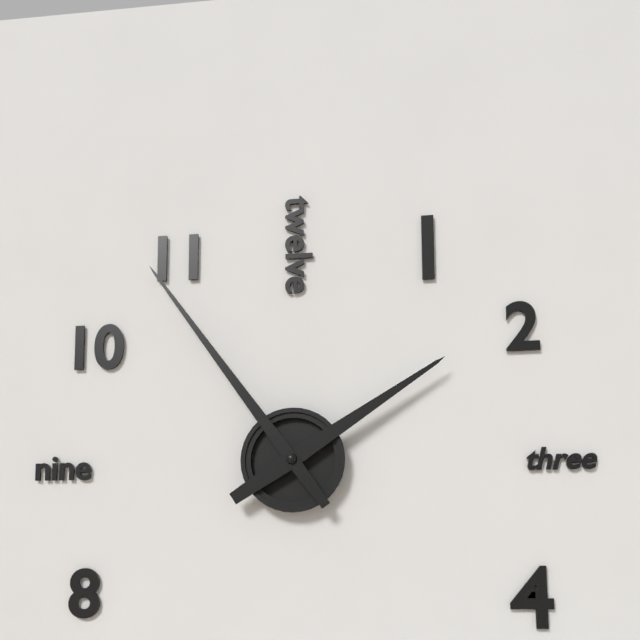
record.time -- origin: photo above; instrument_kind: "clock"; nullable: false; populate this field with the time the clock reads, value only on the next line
1:54
